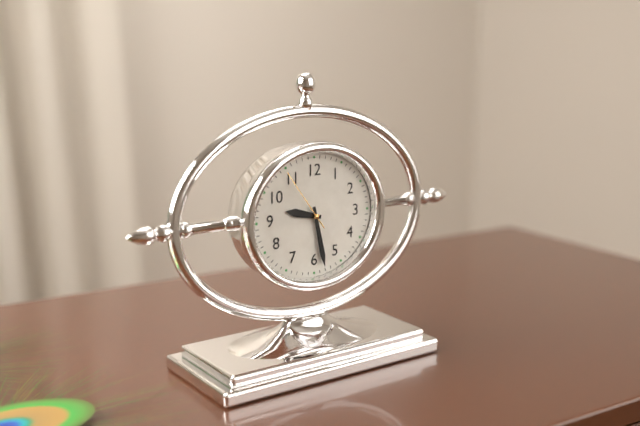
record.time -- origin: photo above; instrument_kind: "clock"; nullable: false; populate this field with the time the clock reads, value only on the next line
9:28:54
